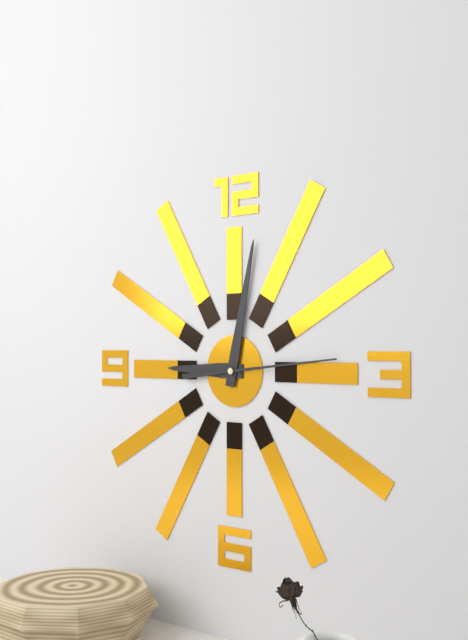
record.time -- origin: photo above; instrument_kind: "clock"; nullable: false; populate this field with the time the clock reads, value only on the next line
9:02:14
